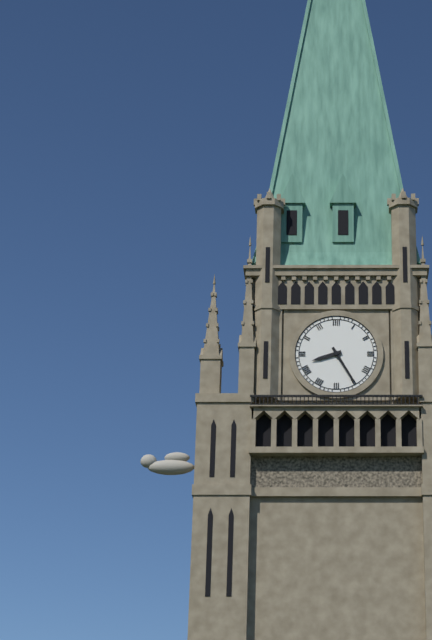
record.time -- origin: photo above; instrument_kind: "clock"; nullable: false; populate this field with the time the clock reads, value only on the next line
8:25
